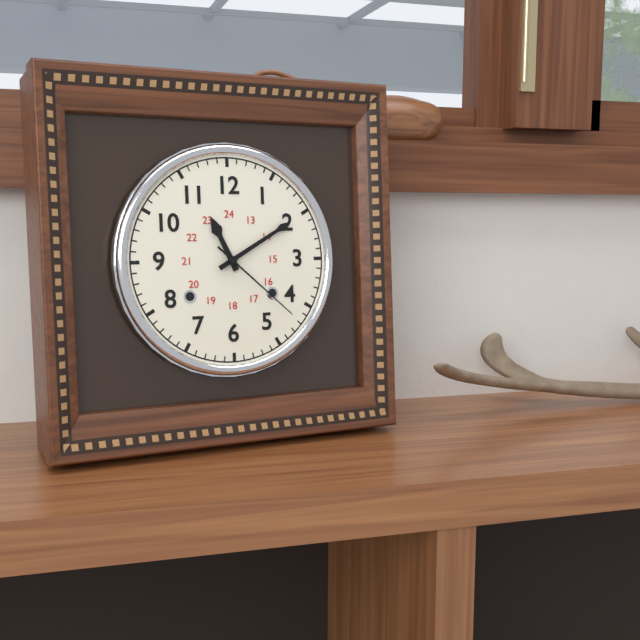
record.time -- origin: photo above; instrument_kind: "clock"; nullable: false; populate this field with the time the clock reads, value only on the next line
11:10:22
